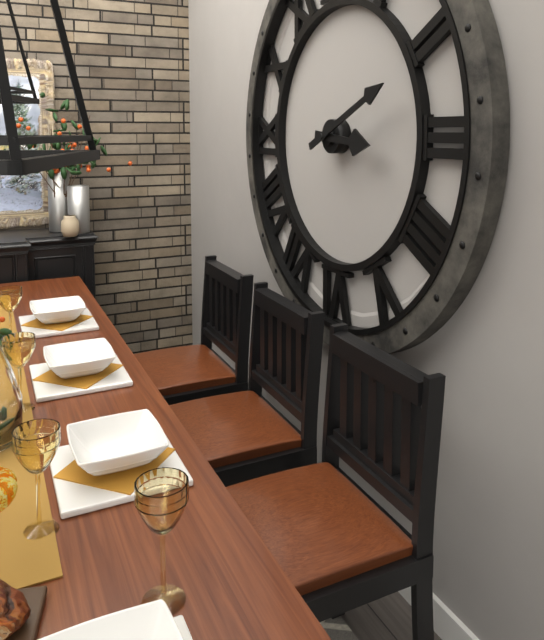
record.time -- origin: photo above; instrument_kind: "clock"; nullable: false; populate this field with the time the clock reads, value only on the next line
3:11
